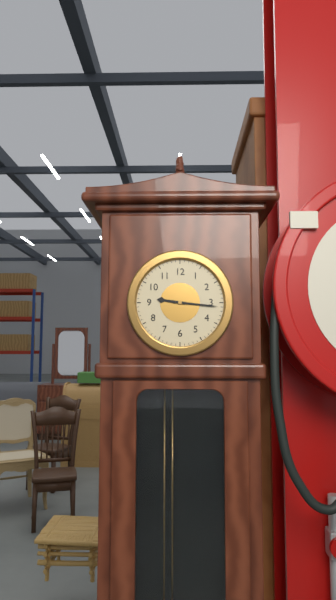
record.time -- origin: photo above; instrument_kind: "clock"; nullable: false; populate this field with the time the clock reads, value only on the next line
9:16
